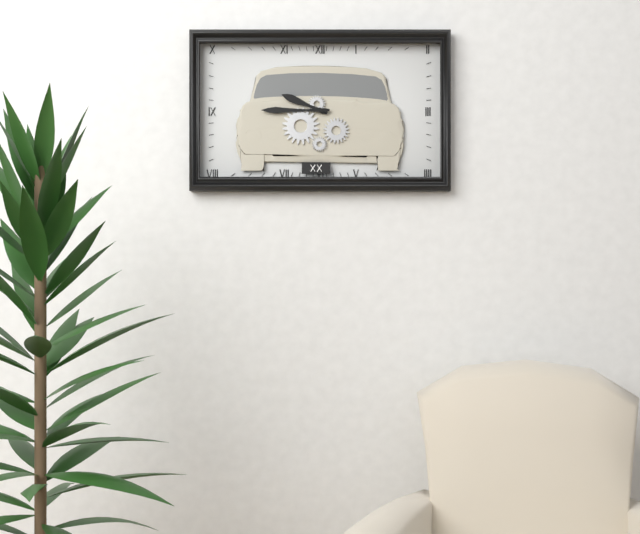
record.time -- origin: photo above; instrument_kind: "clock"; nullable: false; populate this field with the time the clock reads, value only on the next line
9:45
